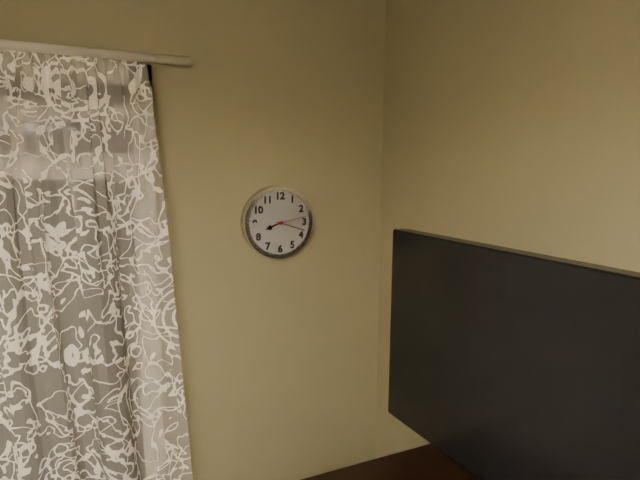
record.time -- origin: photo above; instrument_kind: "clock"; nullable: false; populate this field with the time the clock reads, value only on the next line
8:18
